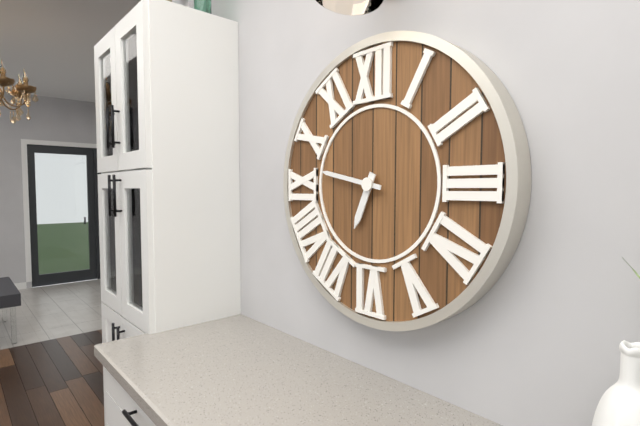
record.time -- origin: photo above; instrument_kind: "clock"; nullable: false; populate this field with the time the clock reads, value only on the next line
6:47
